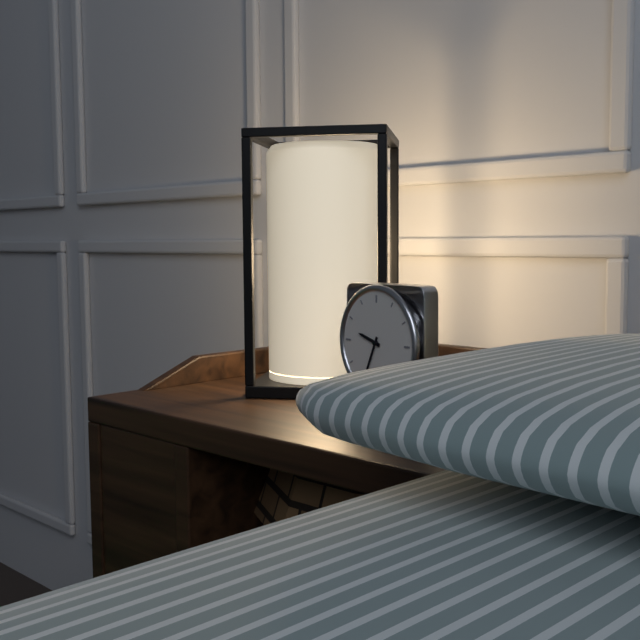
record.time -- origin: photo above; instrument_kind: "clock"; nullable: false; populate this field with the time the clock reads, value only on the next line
9:34
